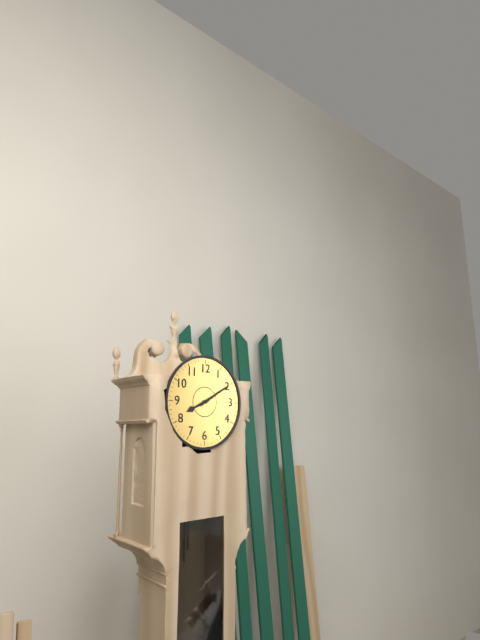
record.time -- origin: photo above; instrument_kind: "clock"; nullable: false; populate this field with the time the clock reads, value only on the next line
8:10
